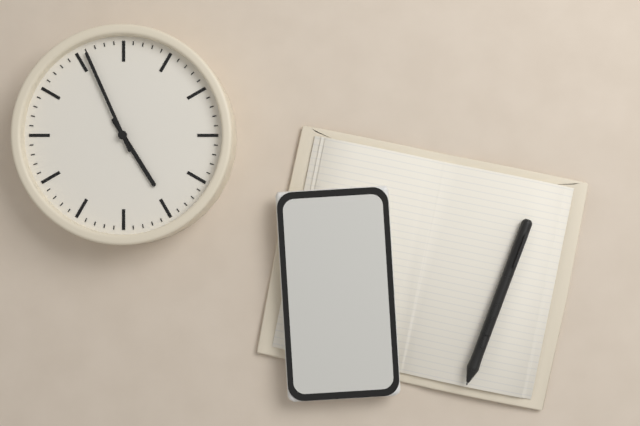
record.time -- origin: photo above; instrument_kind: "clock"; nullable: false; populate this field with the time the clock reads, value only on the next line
4:56
